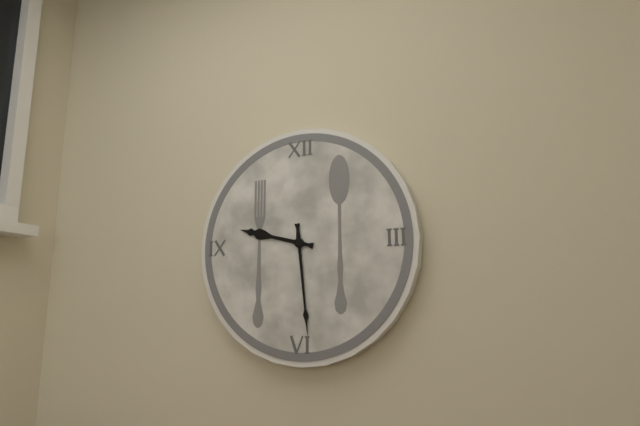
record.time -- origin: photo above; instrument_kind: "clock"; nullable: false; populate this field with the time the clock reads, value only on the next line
9:29
